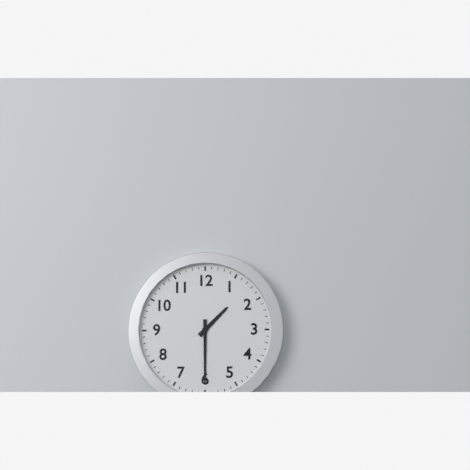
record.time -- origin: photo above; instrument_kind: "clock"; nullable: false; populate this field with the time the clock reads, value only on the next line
1:30
